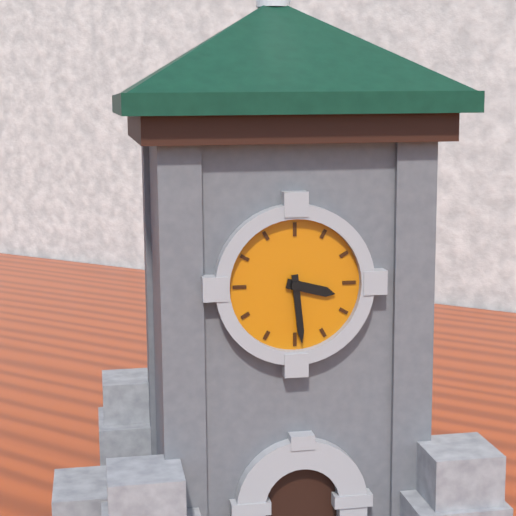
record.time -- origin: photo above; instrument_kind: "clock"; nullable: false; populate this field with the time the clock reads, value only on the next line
3:29
